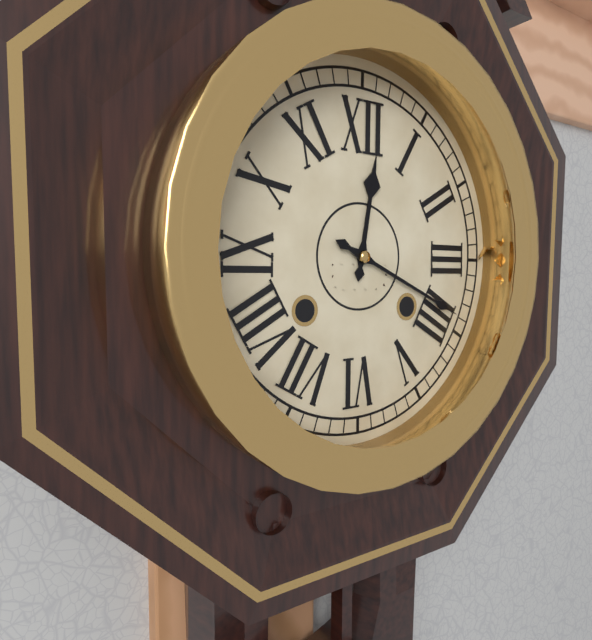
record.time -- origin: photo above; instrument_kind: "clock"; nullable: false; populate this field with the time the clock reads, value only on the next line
12:19
